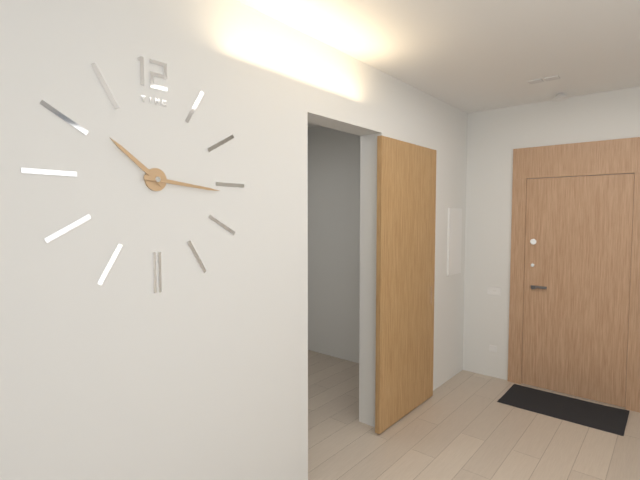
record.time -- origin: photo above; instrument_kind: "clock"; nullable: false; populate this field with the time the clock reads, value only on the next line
10:16
